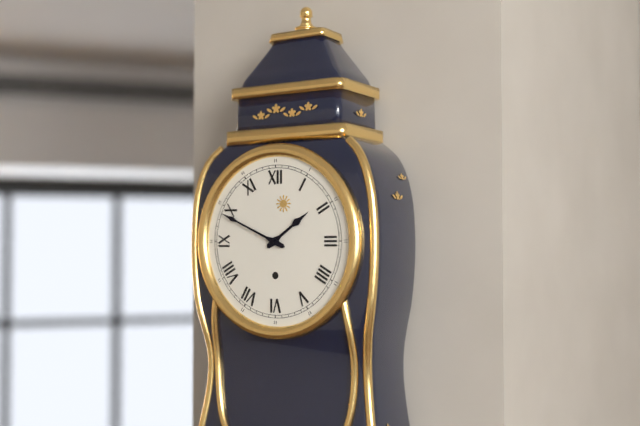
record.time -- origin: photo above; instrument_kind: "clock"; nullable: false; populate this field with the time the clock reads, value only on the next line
1:49
